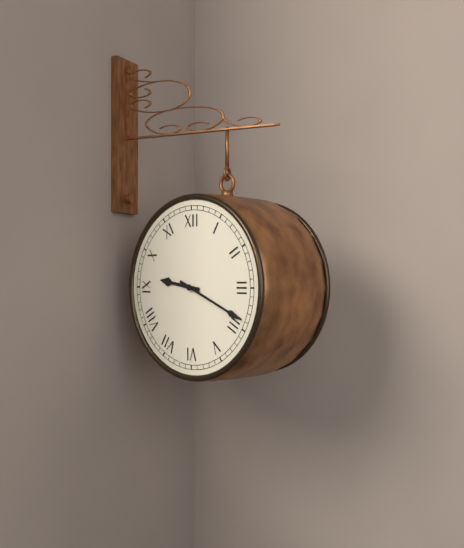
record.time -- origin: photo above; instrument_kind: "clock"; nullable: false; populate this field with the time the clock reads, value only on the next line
9:19
